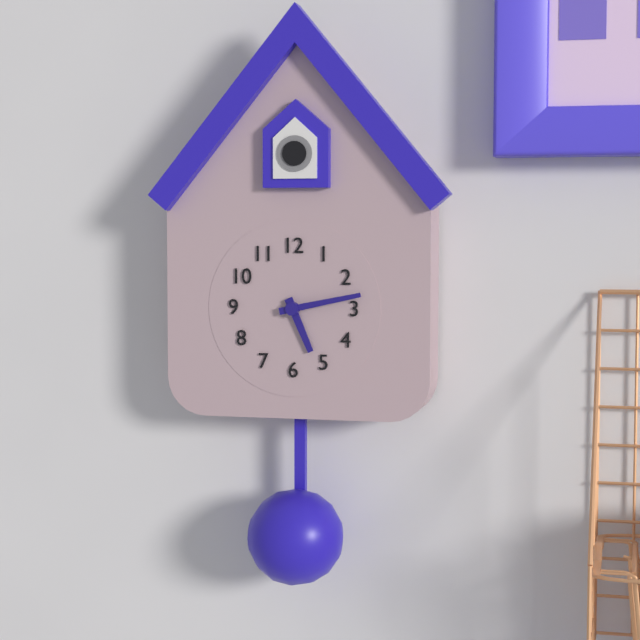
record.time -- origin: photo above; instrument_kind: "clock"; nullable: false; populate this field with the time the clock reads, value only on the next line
5:13
